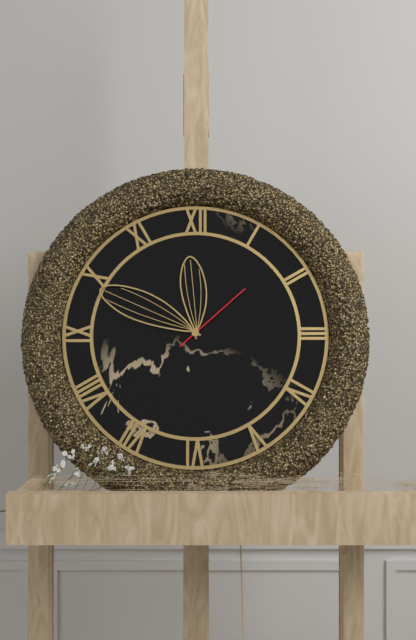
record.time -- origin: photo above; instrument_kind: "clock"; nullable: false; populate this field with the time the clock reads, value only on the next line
11:49:08
